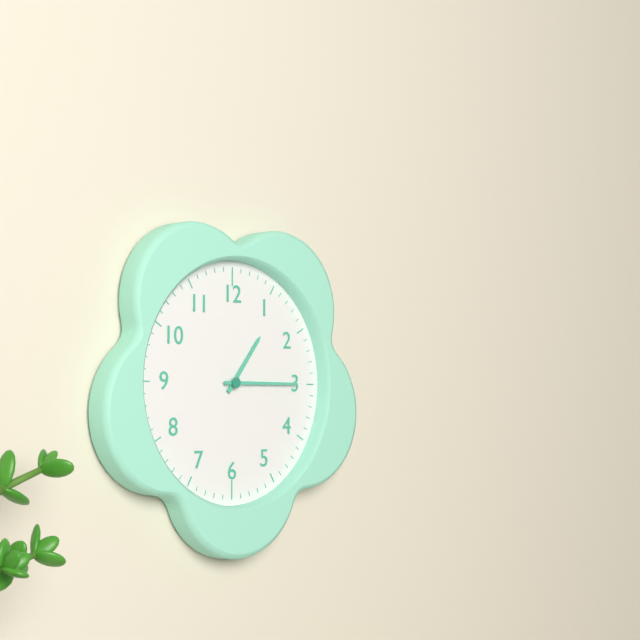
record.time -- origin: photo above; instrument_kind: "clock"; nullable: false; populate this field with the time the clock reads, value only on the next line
1:15
